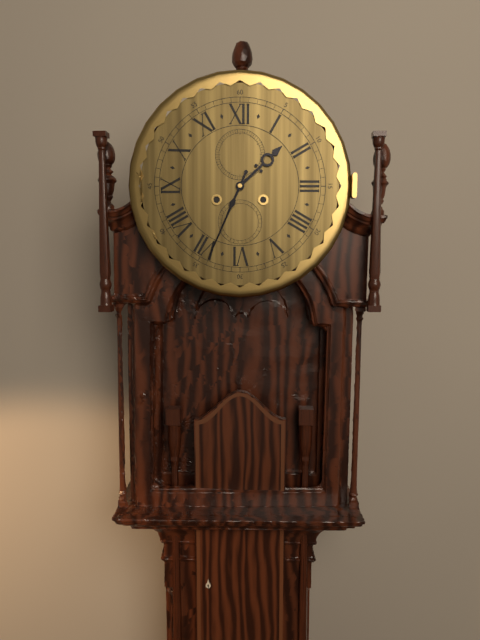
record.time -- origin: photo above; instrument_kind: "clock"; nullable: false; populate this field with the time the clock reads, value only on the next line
1:34
